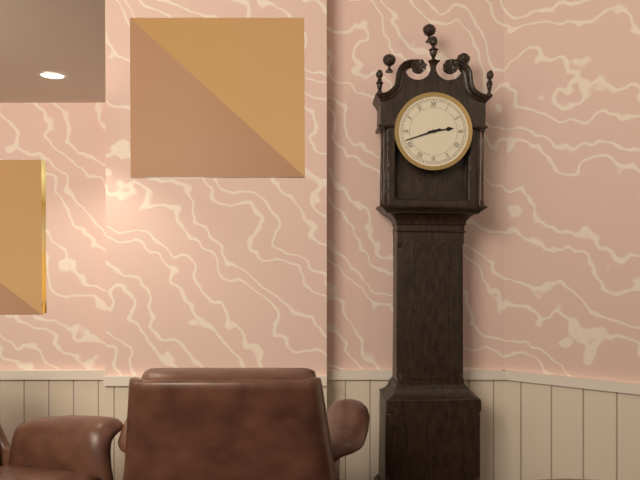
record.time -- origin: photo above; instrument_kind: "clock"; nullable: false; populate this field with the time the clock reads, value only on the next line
2:42
